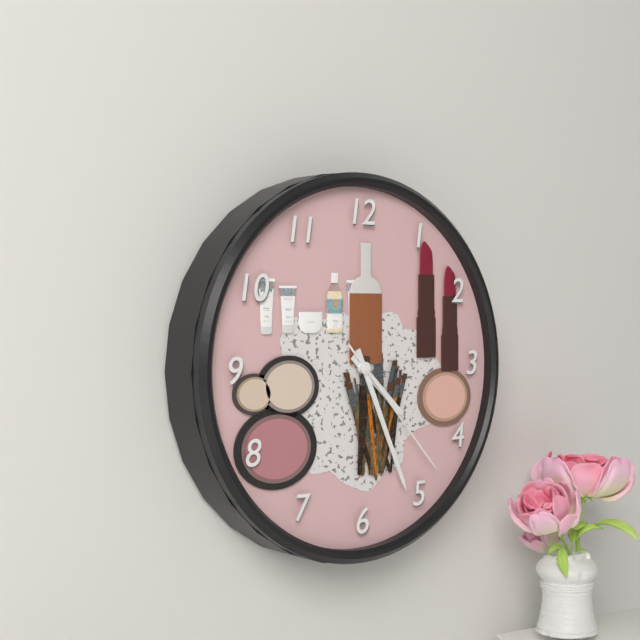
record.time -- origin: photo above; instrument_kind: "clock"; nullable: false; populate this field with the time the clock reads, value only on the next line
4:26:23
